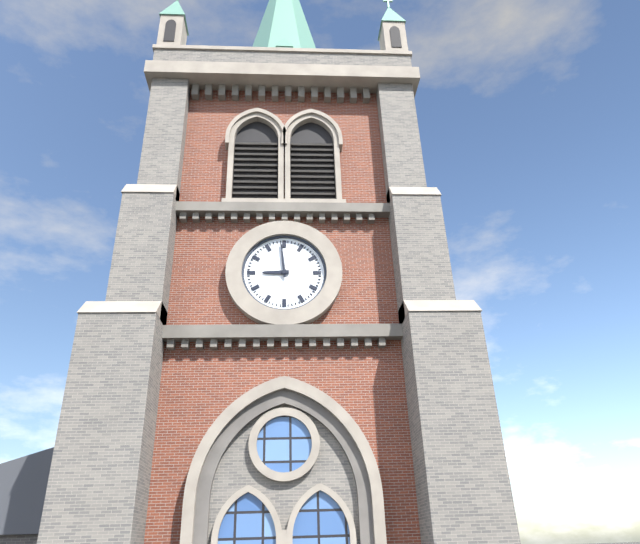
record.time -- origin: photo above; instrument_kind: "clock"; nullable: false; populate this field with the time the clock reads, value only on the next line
8:59
